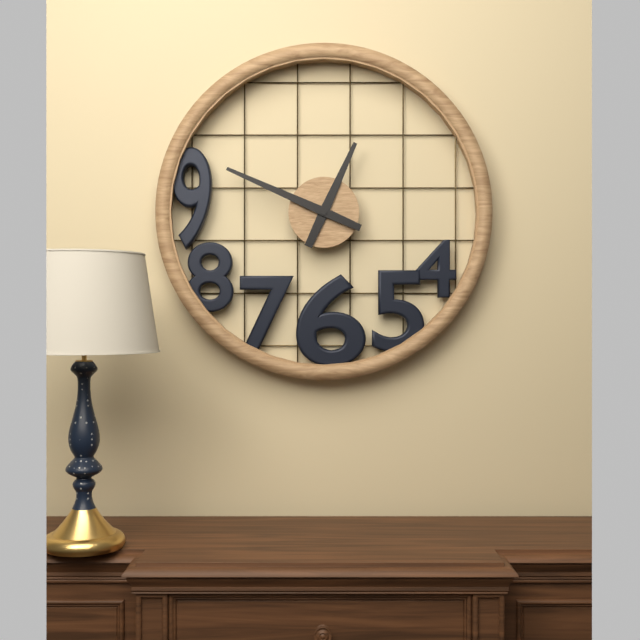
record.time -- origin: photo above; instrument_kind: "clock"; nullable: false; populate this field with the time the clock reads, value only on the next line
12:49
